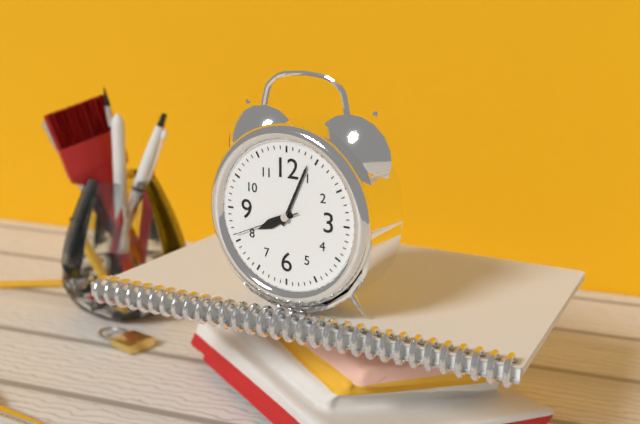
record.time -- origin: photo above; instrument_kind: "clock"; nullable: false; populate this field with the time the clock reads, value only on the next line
8:04:41
